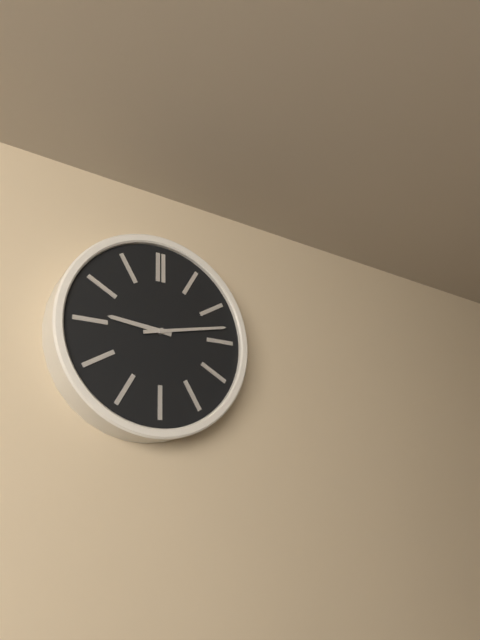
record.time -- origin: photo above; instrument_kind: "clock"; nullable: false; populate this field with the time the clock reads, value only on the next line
9:13
